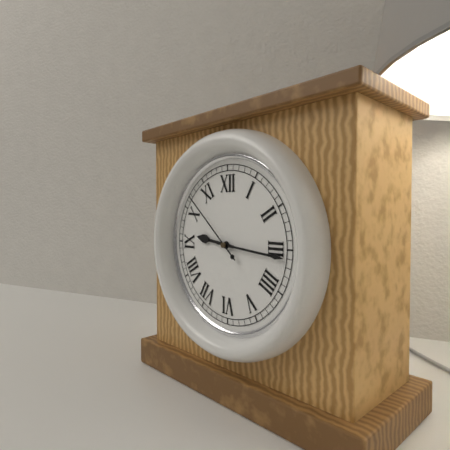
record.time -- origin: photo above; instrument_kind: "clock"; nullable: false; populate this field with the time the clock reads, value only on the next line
9:16:52
